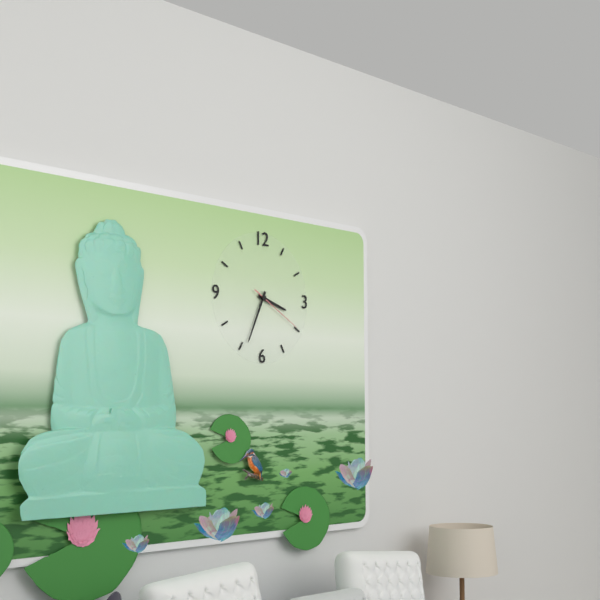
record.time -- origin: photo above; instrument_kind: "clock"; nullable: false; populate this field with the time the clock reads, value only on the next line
3:34:20
